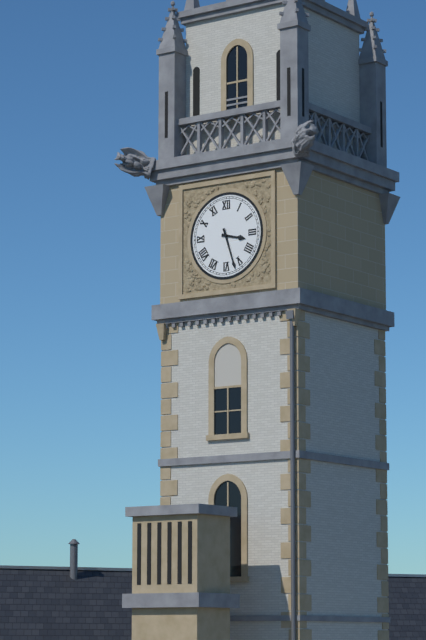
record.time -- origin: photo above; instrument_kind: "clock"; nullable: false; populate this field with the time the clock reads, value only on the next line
3:27
